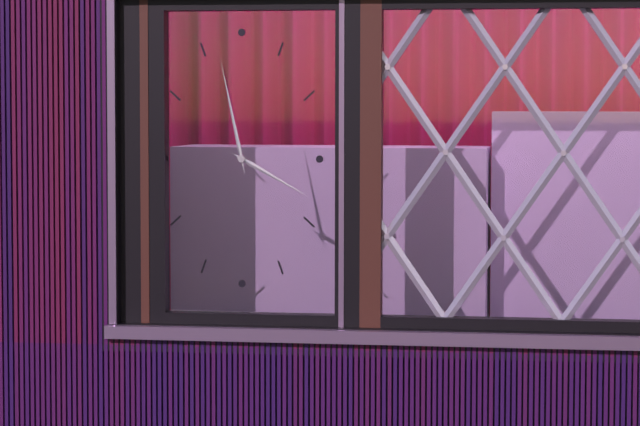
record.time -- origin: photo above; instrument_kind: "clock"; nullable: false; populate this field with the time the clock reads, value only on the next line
3:58
